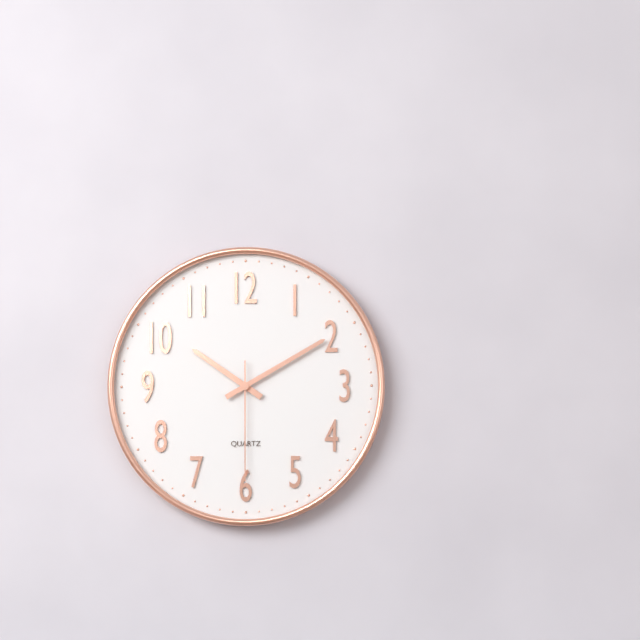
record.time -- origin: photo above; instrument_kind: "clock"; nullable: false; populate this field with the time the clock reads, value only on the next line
10:10:30
